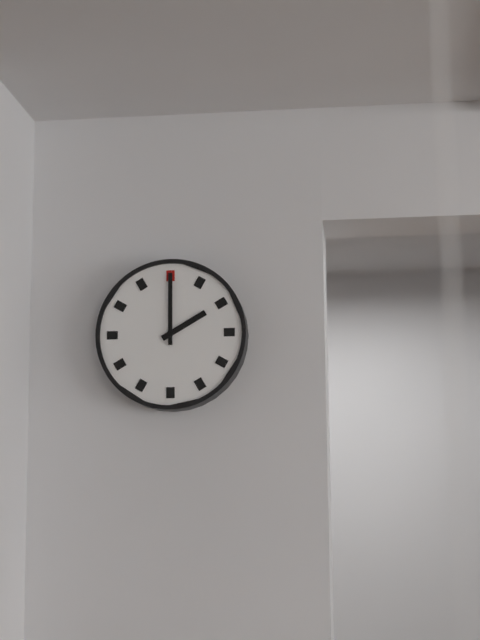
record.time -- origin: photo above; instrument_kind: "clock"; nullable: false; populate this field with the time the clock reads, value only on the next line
2:00
